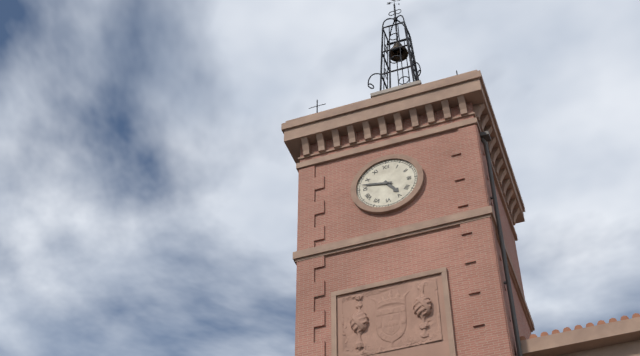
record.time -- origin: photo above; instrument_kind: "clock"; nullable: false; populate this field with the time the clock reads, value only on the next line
4:47
